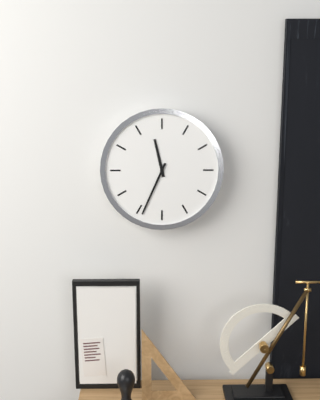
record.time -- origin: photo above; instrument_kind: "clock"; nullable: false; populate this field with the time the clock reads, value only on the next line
11:34
